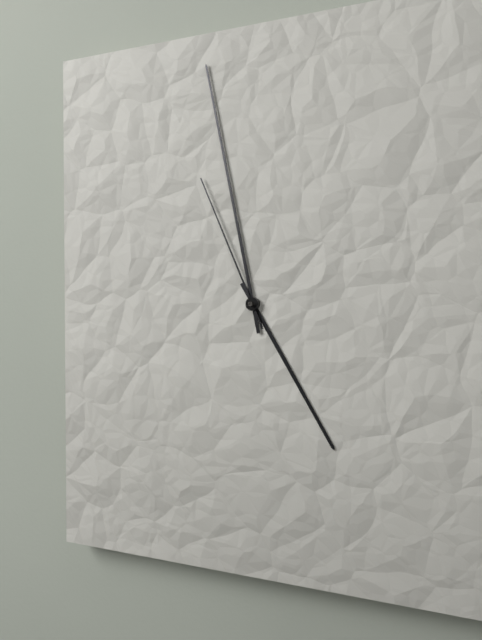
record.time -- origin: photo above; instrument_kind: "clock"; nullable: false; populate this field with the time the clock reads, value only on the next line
4:58:56
